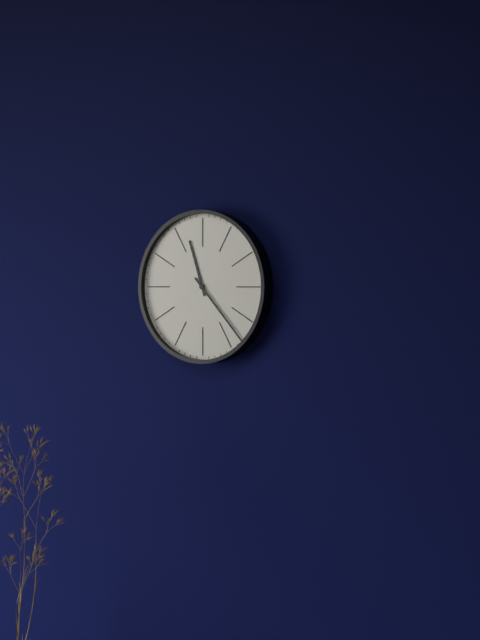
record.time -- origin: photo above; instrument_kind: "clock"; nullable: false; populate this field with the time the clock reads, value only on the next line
11:23
